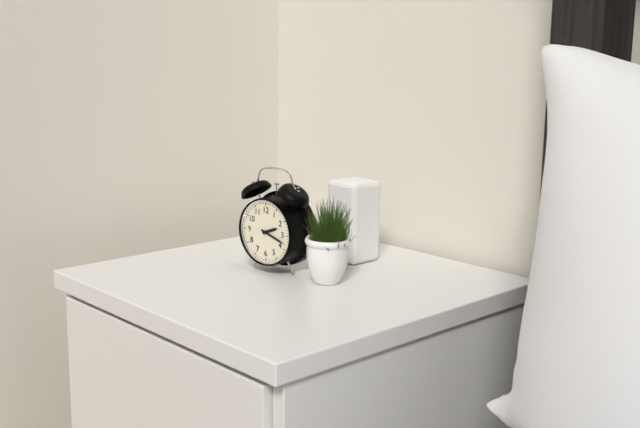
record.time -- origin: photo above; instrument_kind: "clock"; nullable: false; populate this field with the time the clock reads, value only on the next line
2:18
